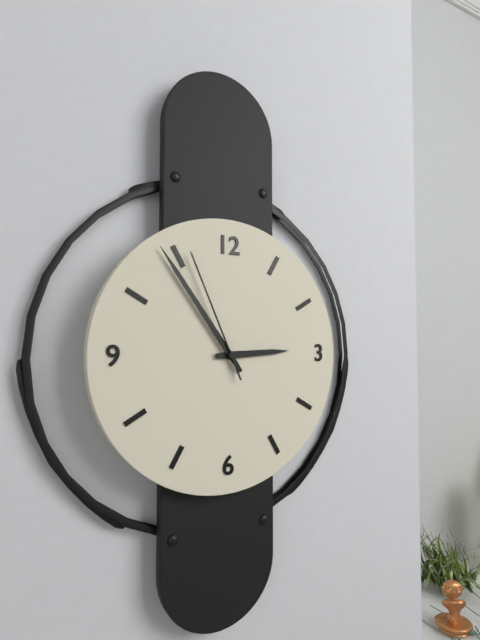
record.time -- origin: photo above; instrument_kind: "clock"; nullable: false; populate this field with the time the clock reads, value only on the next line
2:54:56
